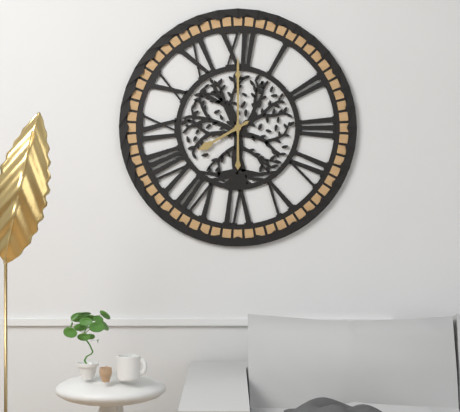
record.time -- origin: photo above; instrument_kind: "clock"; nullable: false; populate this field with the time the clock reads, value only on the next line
8:00
